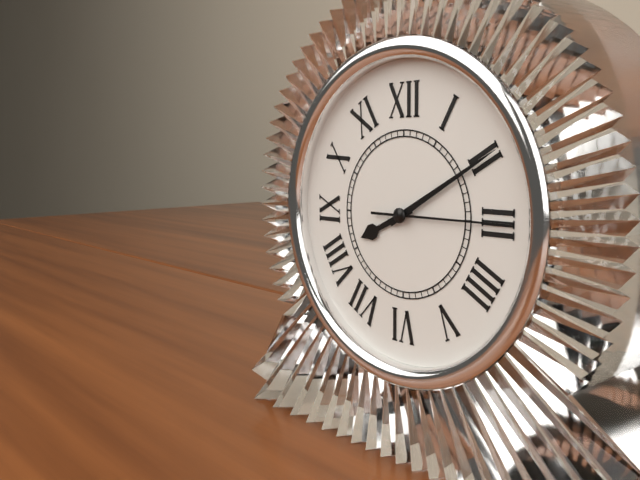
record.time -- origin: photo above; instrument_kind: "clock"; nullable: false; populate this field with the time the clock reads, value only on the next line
8:10:15
